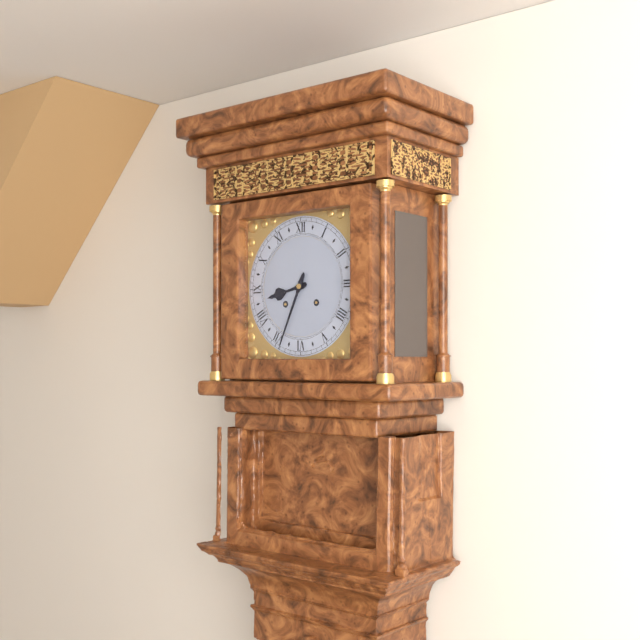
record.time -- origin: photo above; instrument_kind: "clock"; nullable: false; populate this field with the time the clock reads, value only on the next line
8:34
